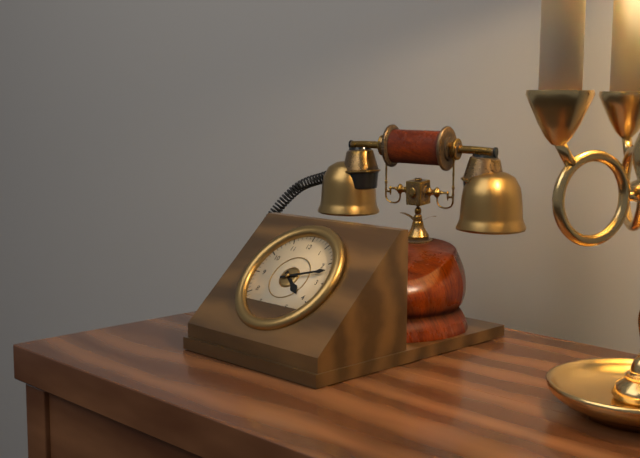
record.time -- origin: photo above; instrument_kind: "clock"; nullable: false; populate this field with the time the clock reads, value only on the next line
4:12
